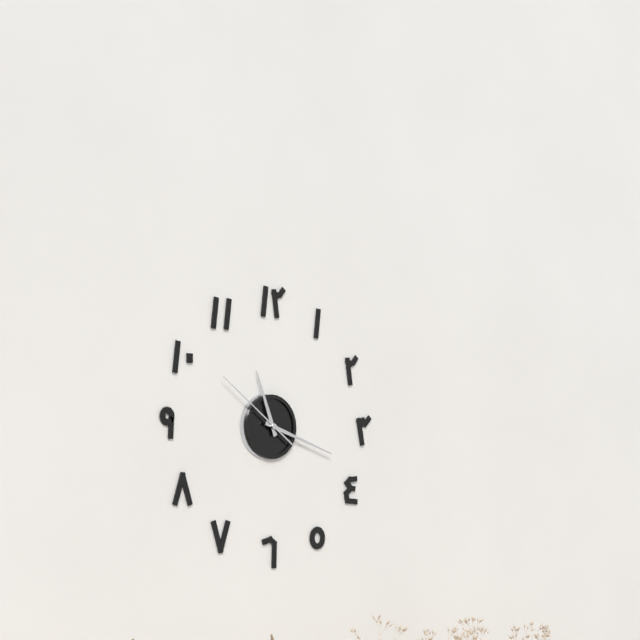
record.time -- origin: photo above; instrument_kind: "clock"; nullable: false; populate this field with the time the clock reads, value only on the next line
11:18:51
